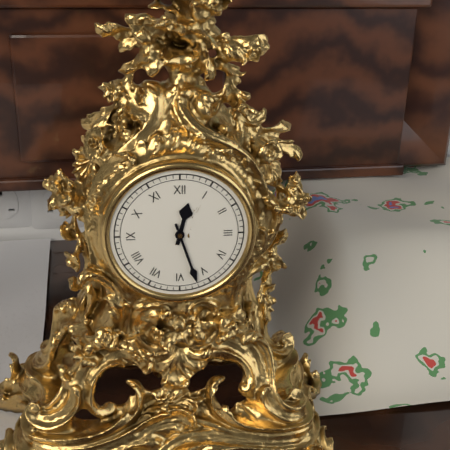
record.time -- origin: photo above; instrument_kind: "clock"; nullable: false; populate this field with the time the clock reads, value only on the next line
12:27
